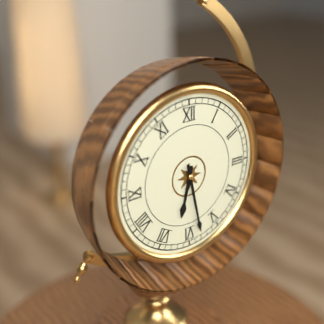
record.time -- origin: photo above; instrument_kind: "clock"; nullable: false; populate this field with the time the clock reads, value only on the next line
6:28
